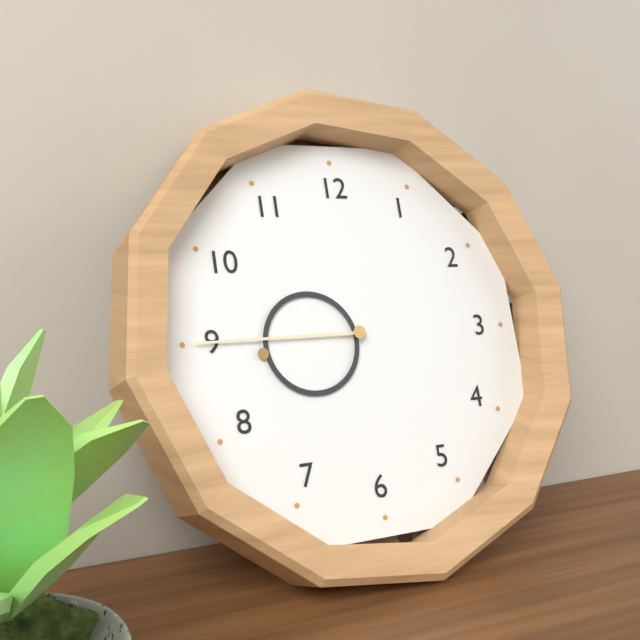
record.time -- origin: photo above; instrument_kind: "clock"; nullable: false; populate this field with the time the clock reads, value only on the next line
8:45
